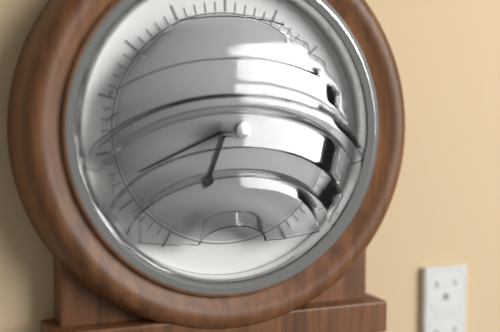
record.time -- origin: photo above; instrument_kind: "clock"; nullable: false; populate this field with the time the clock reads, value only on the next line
6:41
